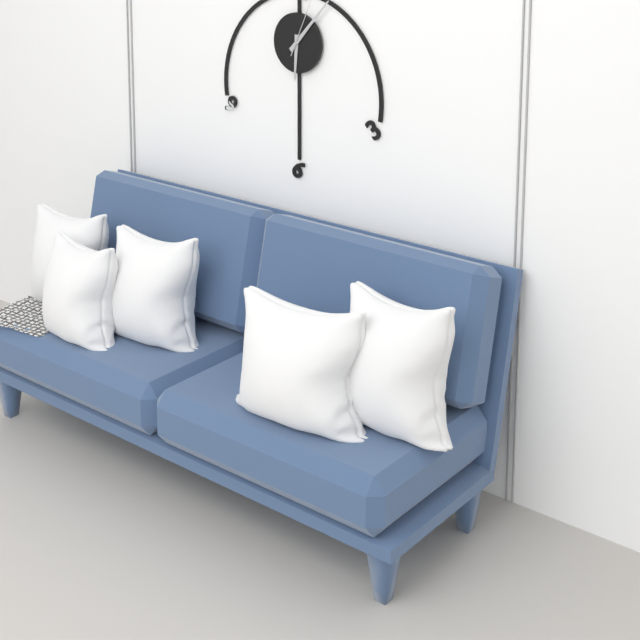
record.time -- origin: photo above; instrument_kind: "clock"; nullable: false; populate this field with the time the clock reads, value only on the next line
6:07
